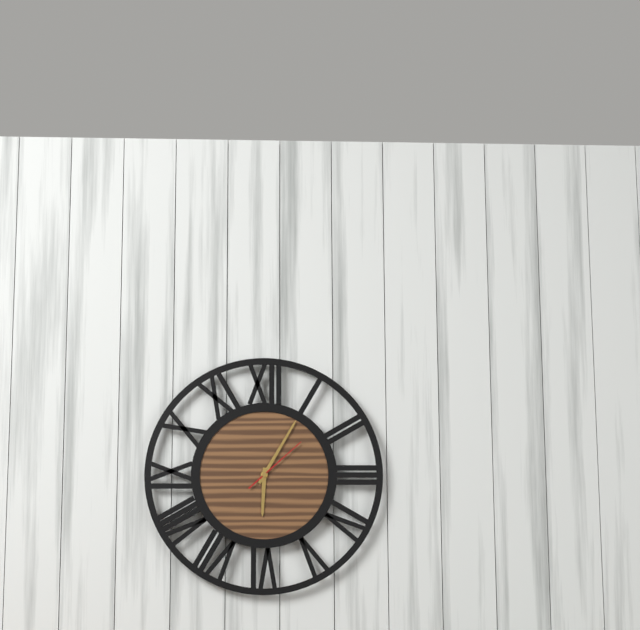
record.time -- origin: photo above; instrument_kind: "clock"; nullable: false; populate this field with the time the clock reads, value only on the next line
6:05:08
